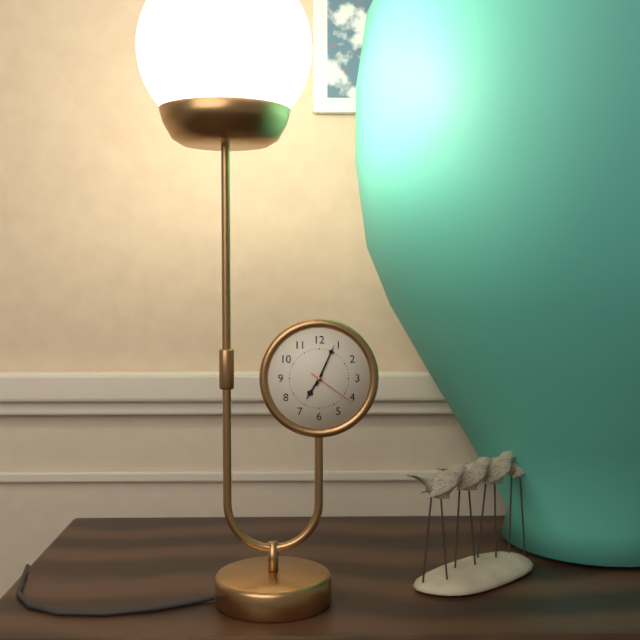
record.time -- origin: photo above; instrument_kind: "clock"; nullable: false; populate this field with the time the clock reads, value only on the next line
7:04:21
